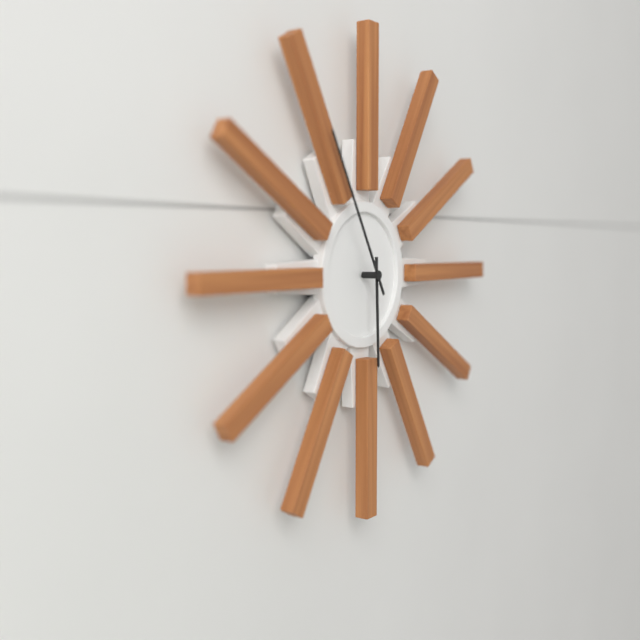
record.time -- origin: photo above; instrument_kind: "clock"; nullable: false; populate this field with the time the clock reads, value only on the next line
5:55
